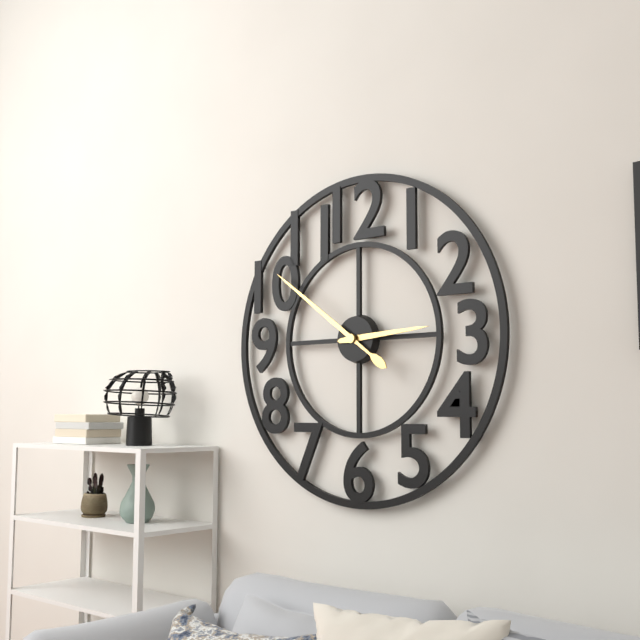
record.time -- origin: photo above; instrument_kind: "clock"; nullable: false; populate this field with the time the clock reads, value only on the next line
2:51
